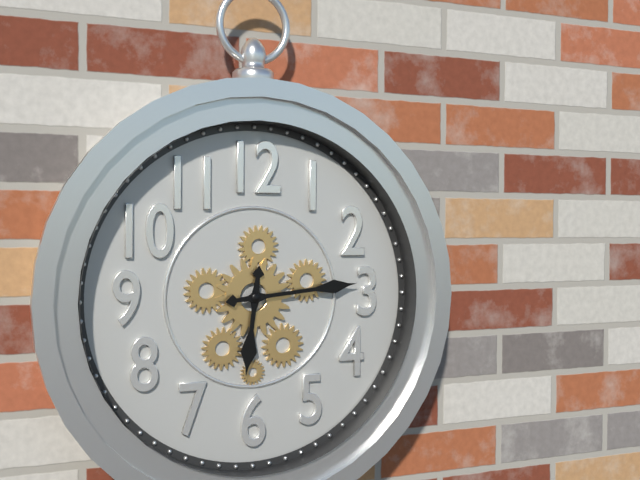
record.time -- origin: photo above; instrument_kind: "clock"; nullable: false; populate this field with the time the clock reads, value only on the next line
6:14
